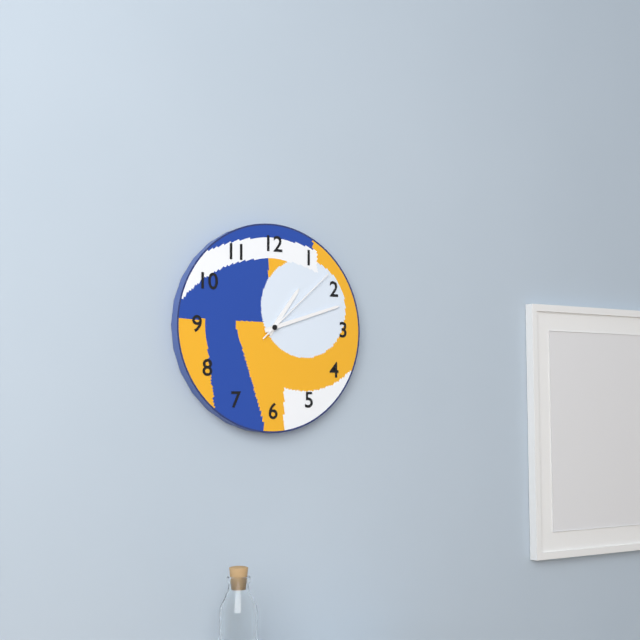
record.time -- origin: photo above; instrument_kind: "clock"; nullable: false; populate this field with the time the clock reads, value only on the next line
1:12:08
